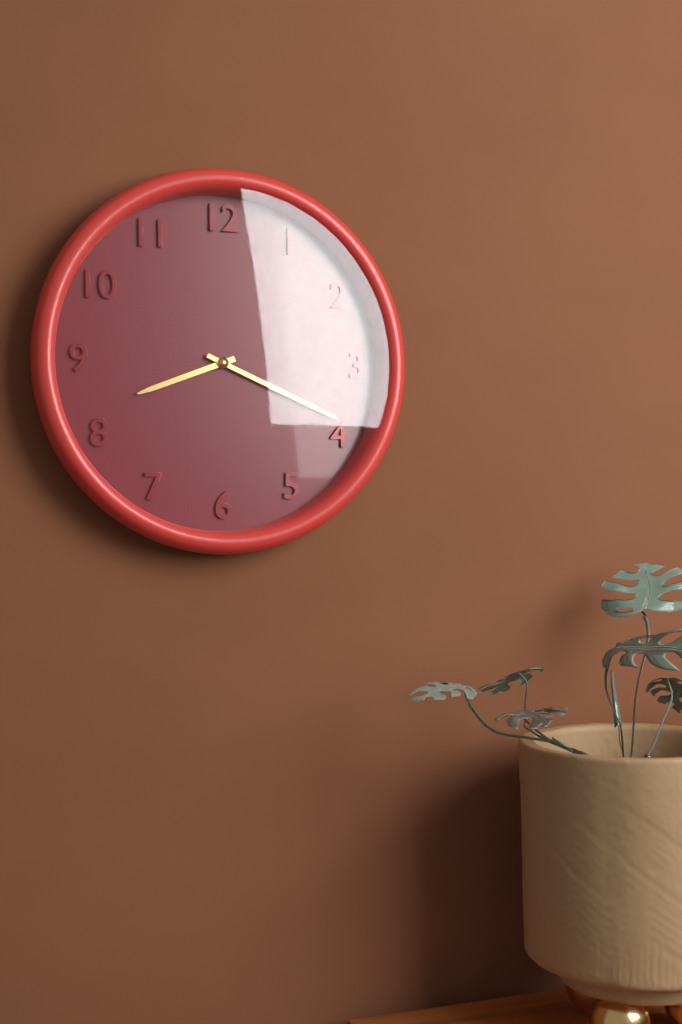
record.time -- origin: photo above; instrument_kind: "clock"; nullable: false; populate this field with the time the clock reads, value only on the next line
8:19
